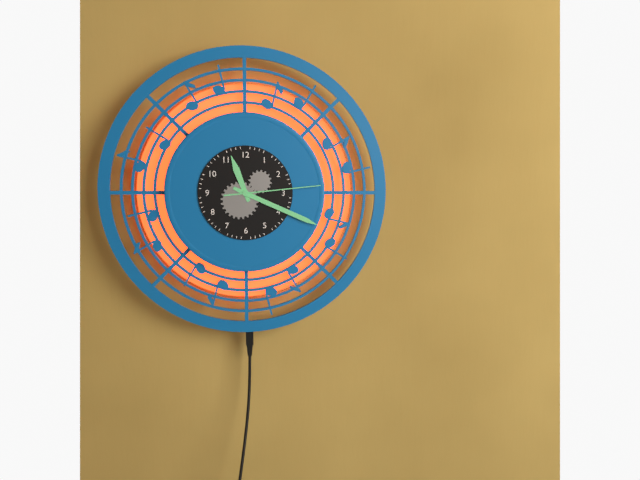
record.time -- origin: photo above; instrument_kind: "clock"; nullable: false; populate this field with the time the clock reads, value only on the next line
11:19:14
